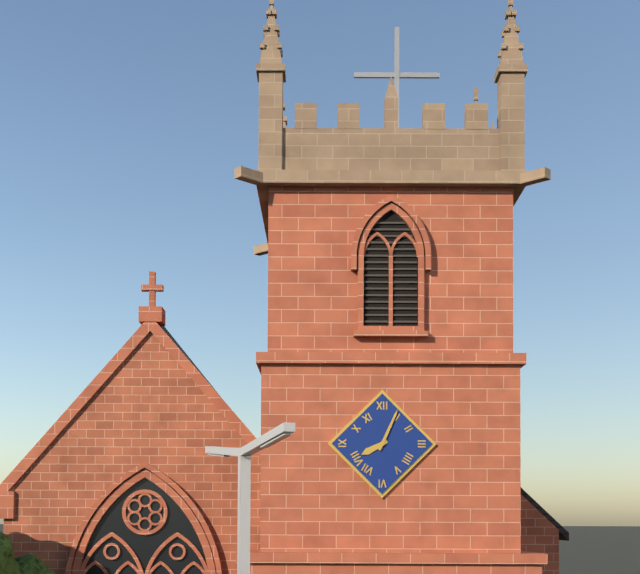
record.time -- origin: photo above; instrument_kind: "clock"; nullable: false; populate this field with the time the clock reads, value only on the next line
8:04
